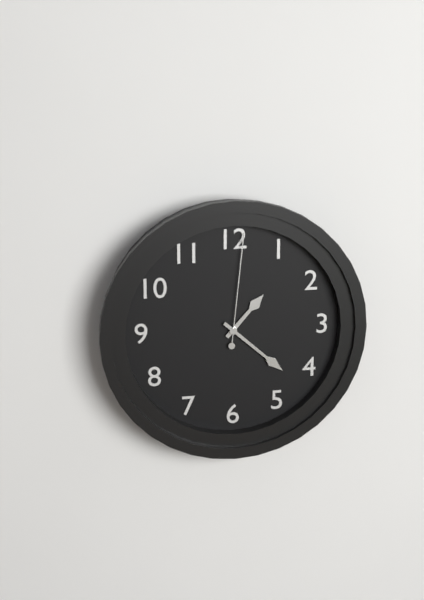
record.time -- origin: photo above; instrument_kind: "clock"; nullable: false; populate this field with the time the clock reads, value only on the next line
1:22:01
